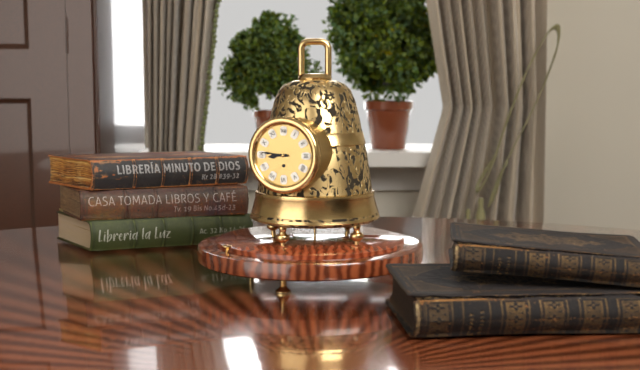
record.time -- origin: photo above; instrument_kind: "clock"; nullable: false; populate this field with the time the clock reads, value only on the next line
8:46
